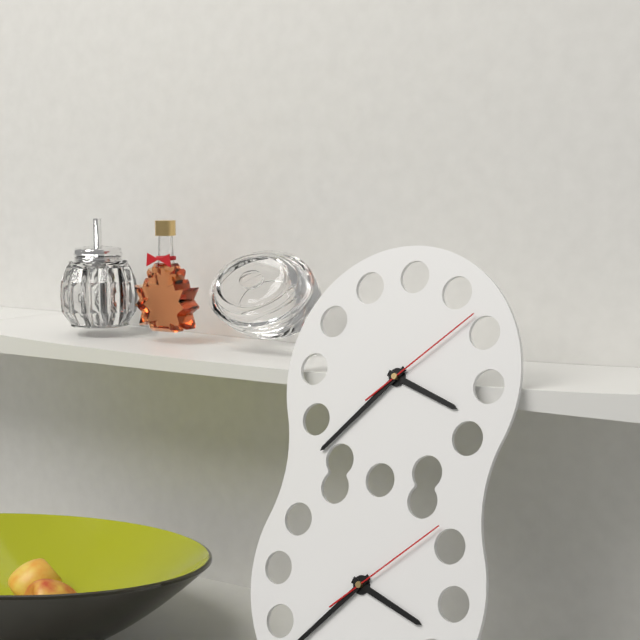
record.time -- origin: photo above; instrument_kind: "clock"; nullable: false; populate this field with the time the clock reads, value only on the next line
3:37:08
